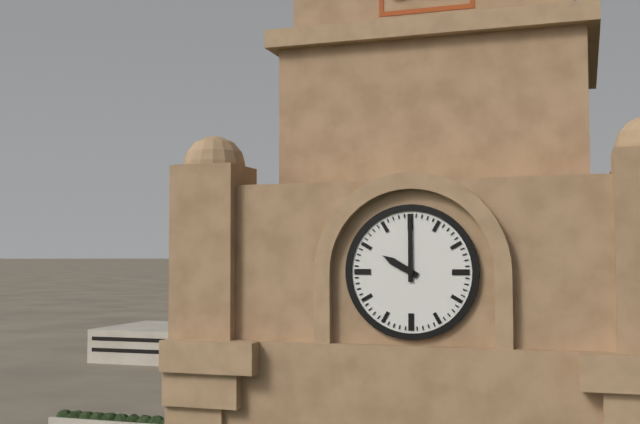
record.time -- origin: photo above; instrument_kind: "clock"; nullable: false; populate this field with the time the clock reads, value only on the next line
10:00
